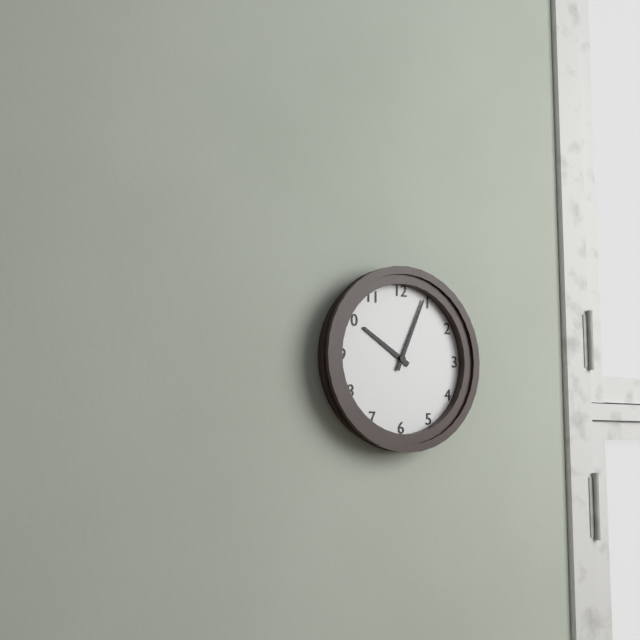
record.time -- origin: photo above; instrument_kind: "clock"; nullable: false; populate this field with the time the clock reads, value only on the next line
10:04
